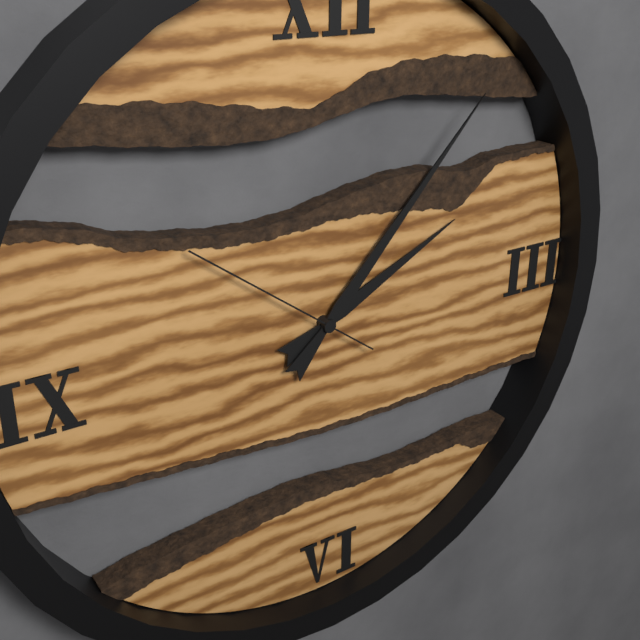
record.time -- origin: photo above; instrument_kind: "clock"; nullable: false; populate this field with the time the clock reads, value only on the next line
2:07:51
